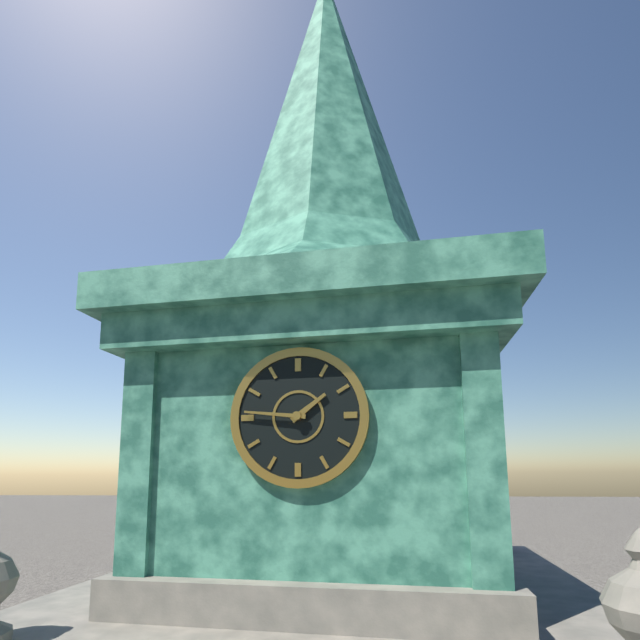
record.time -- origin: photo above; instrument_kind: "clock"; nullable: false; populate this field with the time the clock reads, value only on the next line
1:46
